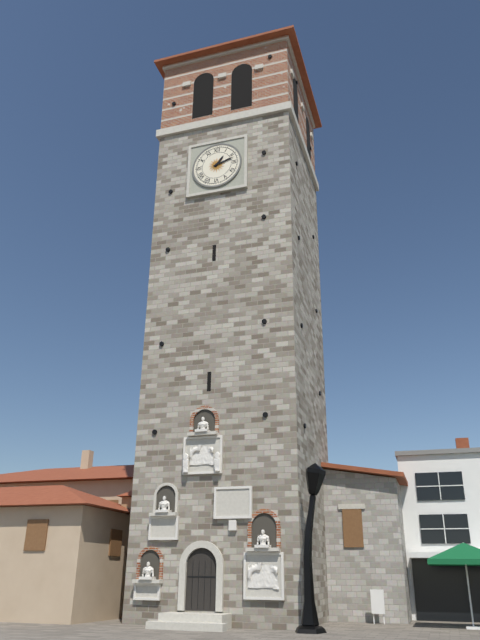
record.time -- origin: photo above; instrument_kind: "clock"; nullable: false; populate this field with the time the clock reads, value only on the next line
1:12
